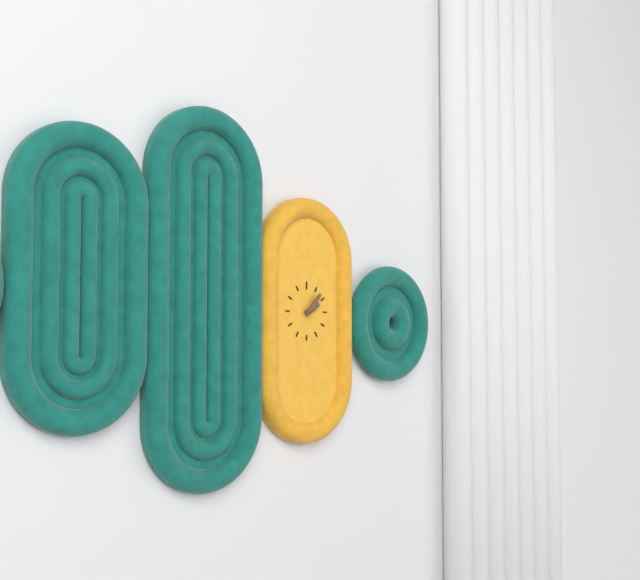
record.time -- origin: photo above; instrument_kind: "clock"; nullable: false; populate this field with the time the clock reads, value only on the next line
2:07
